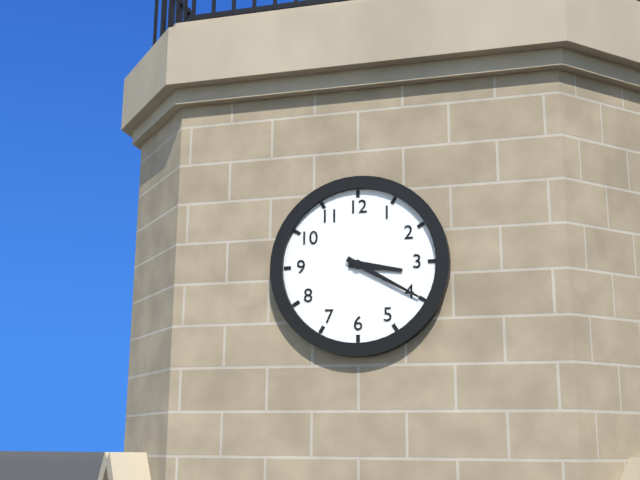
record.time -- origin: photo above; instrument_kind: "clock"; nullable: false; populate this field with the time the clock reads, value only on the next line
3:20
